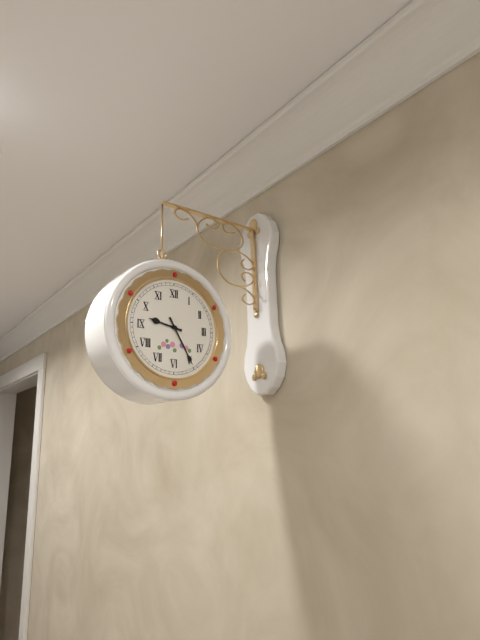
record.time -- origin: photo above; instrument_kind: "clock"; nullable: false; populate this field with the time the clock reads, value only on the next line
9:25
